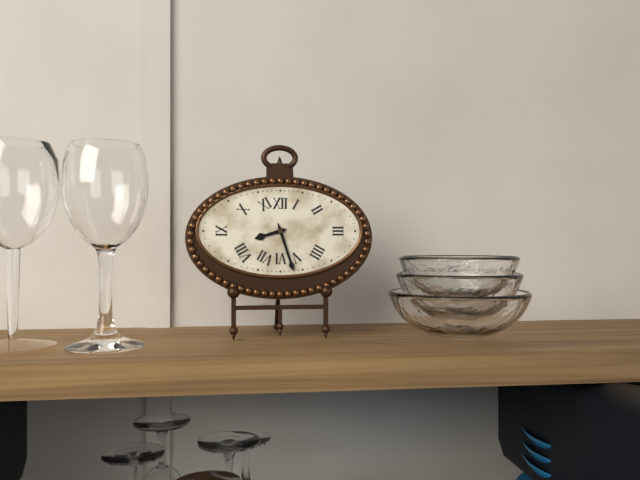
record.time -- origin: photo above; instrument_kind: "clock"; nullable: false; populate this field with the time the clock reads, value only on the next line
8:27
